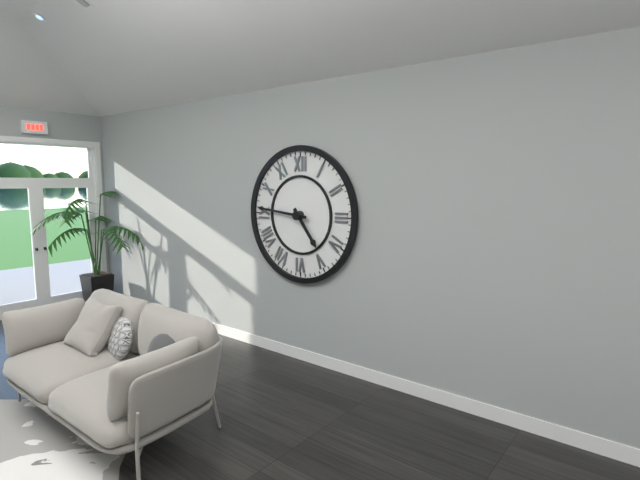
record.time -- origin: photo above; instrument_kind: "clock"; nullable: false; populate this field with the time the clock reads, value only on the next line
4:46
